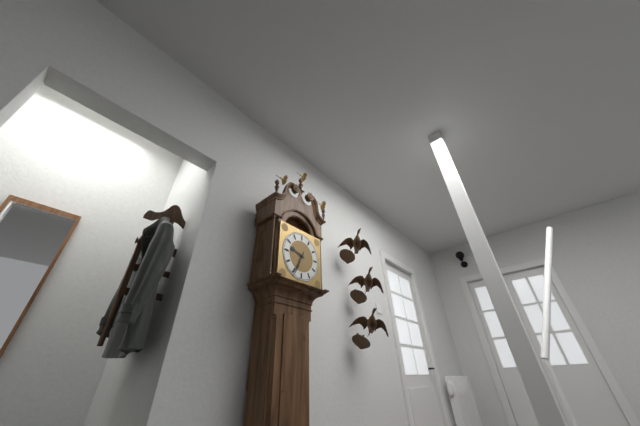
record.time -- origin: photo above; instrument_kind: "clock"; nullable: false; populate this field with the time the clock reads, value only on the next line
9:34
